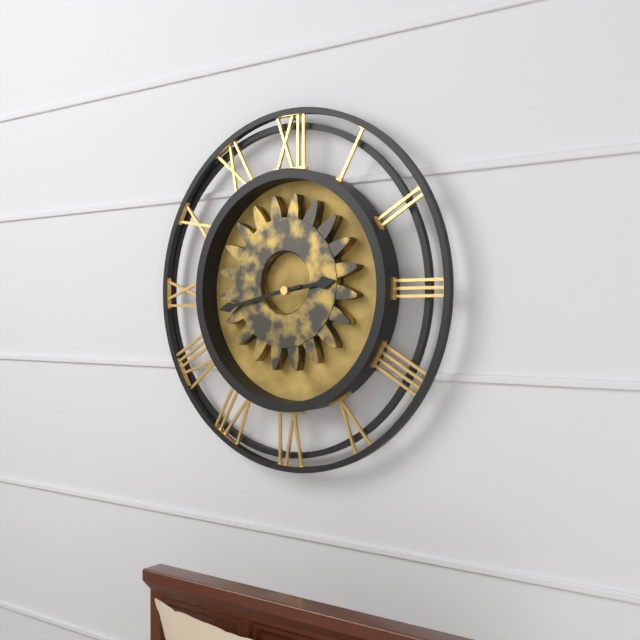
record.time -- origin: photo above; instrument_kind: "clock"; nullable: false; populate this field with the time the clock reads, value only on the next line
2:43
